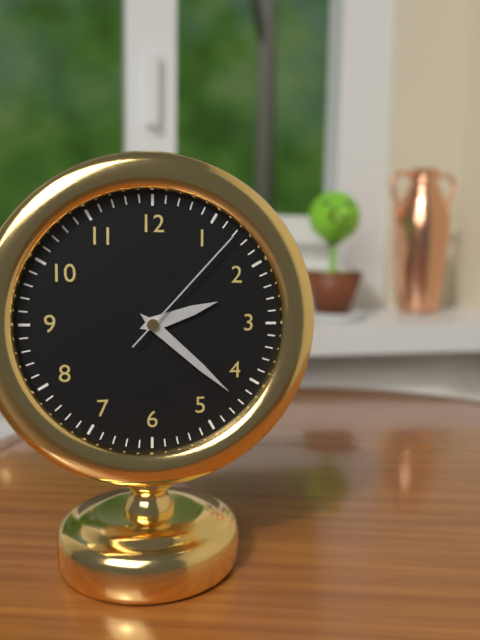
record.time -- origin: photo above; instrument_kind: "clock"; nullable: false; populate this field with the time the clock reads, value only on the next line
2:22:07
